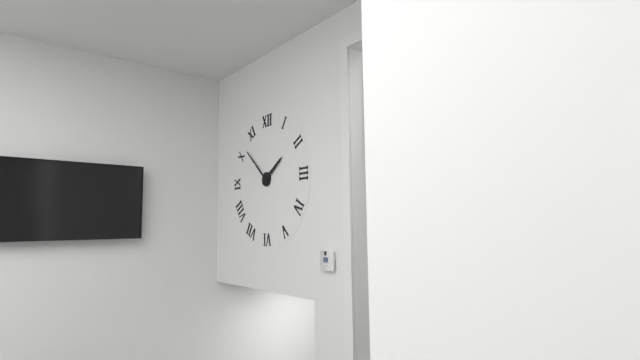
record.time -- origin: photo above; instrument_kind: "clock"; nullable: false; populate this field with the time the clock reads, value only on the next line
1:52
